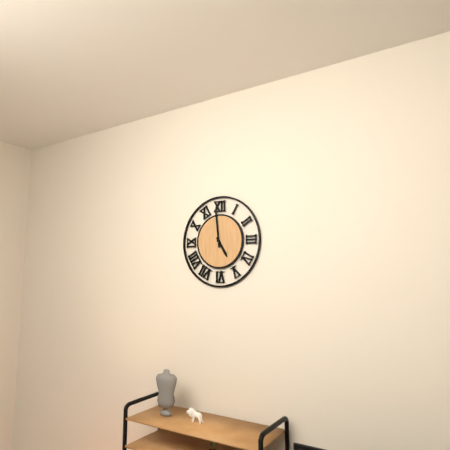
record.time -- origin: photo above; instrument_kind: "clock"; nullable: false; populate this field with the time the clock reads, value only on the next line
4:59
